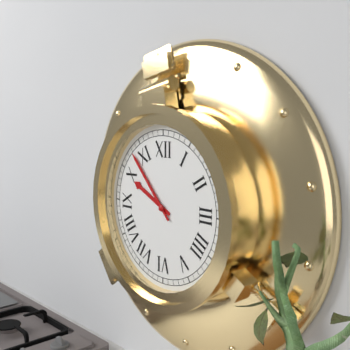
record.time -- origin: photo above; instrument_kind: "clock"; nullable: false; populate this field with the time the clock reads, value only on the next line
9:53
